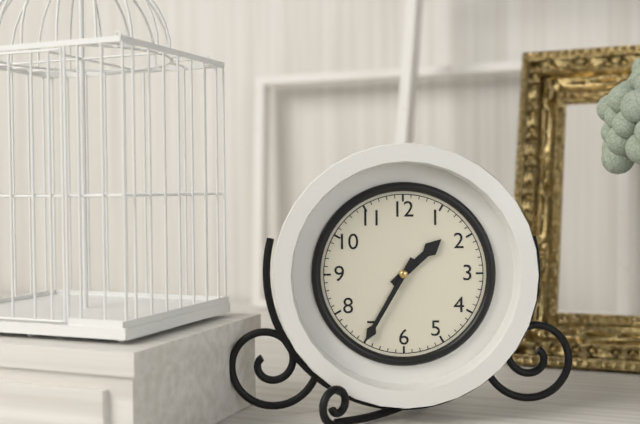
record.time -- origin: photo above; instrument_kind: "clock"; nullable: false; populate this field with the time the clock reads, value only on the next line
1:35
